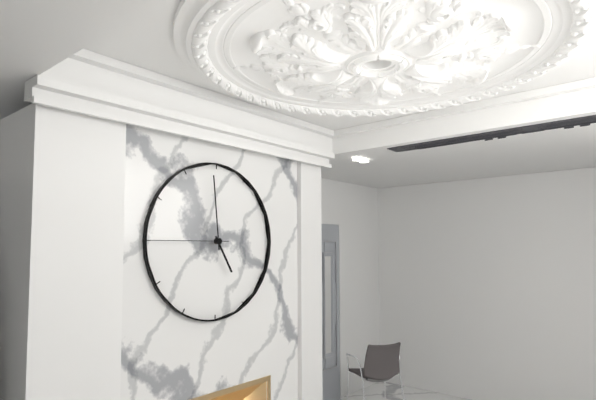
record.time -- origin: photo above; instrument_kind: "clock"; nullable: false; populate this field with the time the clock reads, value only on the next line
4:59:45
